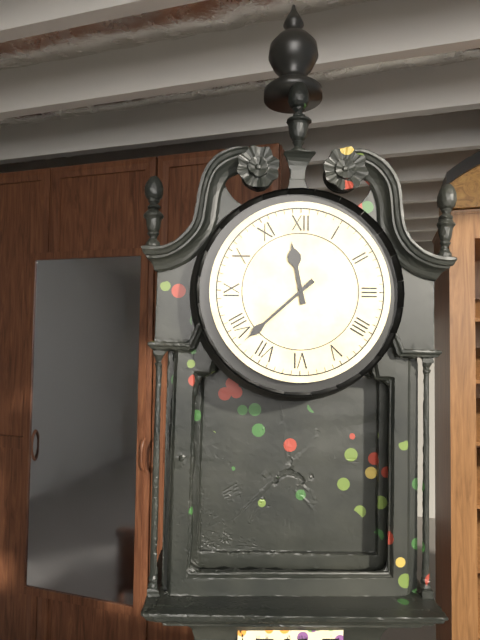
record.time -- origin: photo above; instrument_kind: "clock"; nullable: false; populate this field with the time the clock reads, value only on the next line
11:38
